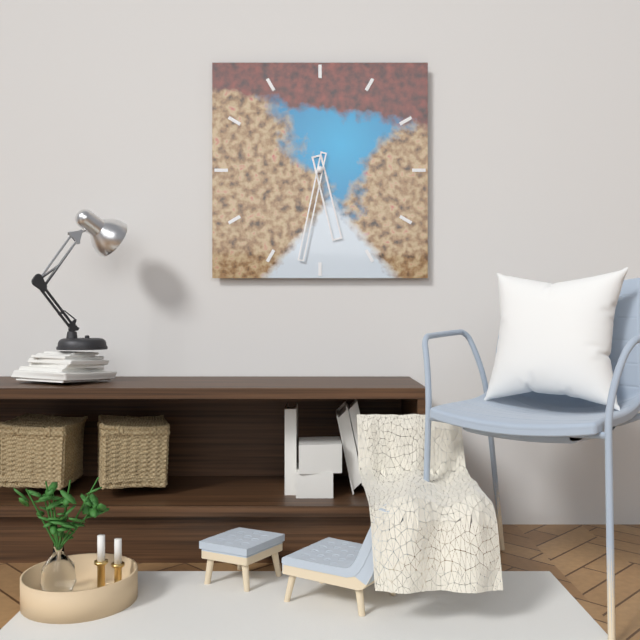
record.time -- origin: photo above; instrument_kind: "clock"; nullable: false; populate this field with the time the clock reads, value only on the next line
5:32
